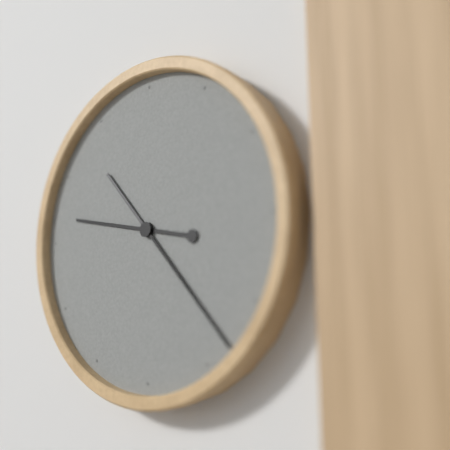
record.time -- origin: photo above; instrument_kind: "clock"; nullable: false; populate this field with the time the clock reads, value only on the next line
9:23
